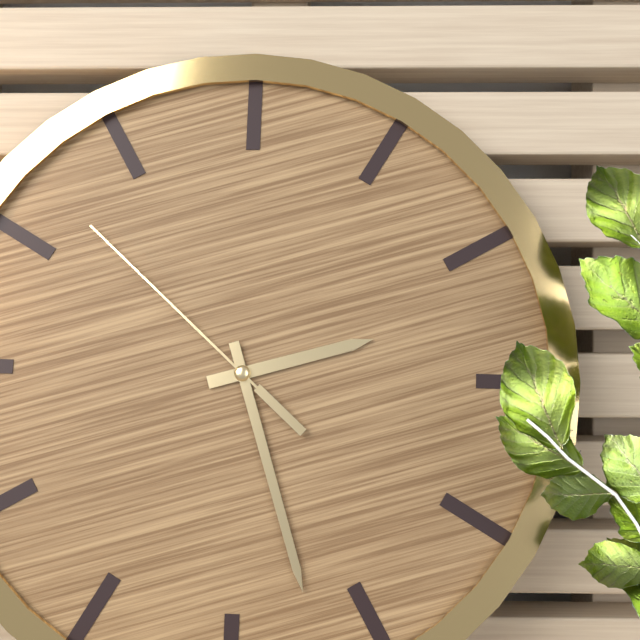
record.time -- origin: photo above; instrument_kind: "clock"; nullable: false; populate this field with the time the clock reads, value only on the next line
2:27:52
